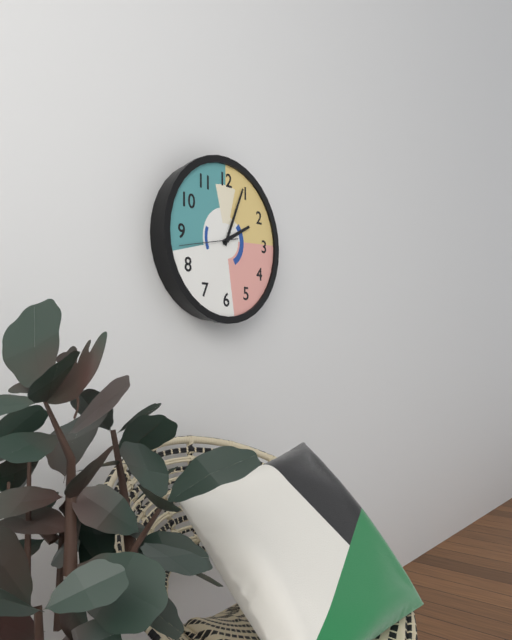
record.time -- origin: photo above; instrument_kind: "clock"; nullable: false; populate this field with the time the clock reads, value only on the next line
2:04:43
